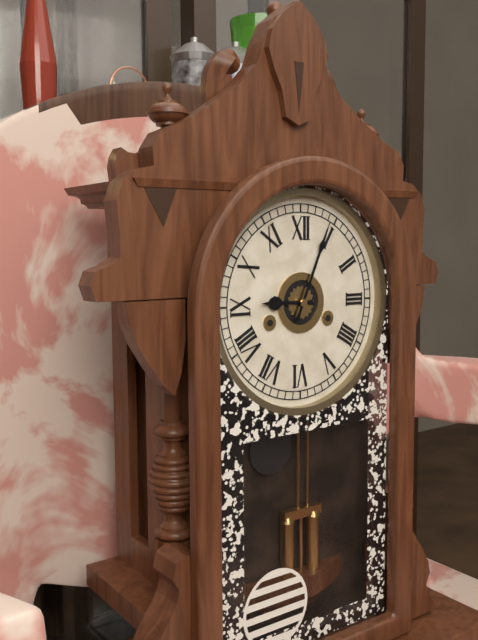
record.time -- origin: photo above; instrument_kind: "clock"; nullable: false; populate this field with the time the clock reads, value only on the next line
9:04
